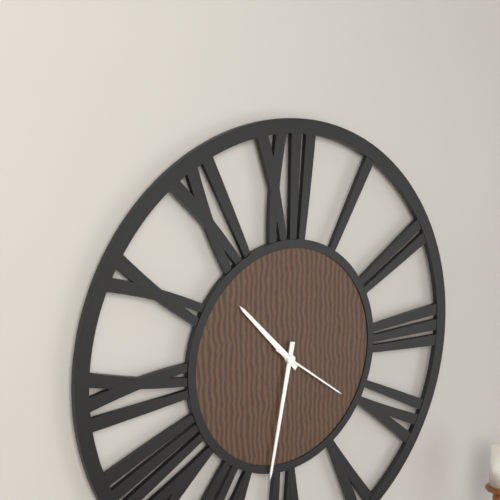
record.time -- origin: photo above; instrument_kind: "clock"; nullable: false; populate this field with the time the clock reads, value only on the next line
10:32:21
